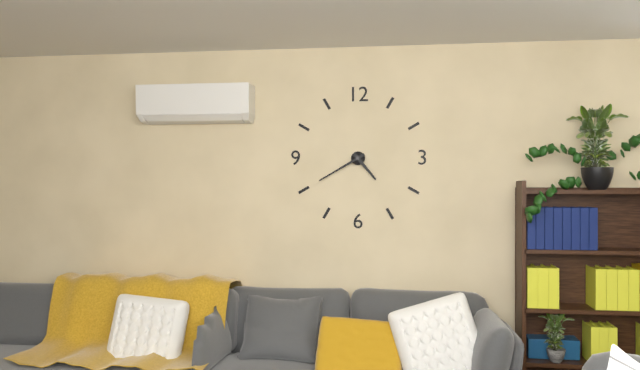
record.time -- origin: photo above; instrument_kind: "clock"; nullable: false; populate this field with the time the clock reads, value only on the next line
4:40
